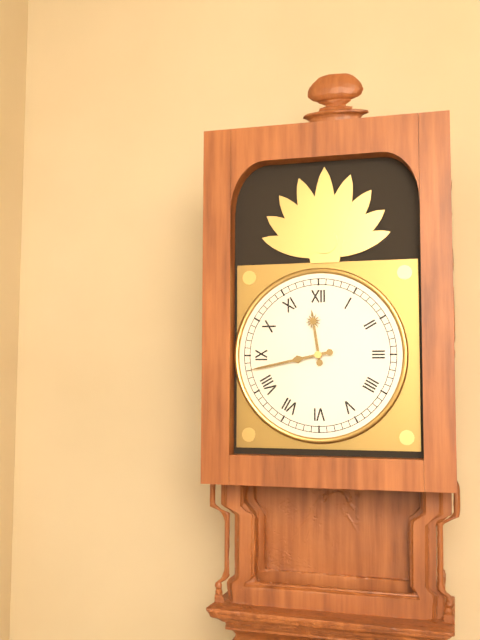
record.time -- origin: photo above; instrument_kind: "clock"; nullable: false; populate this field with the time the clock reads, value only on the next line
11:43
